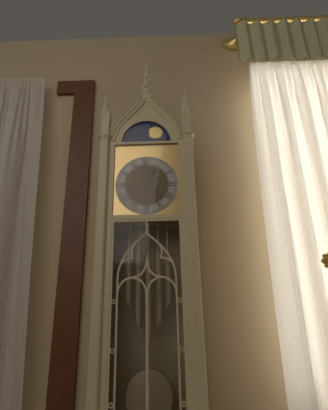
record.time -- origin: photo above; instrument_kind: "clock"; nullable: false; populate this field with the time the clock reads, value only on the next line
12:59
